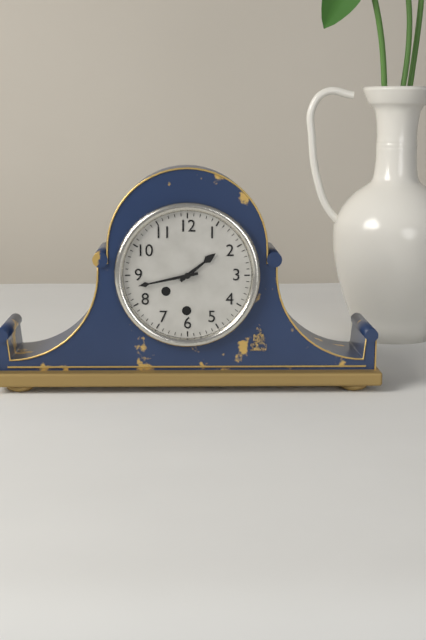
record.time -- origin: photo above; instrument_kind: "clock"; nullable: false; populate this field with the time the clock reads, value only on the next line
1:43
